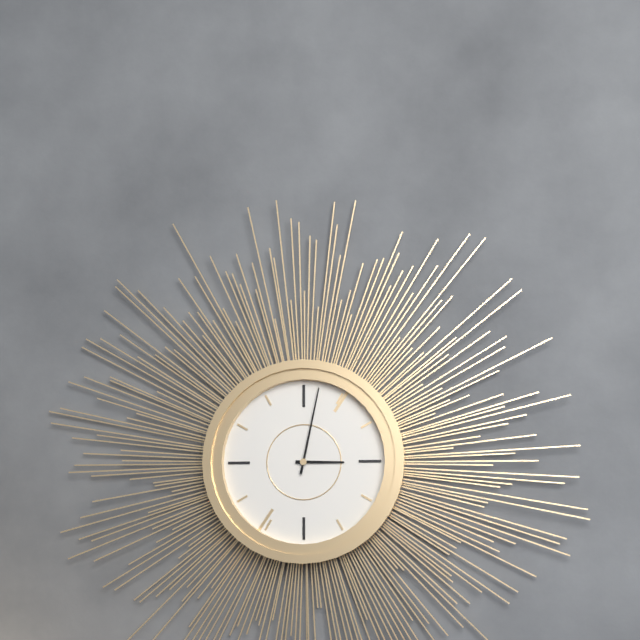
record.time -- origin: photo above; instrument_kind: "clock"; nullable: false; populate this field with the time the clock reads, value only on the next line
3:02
